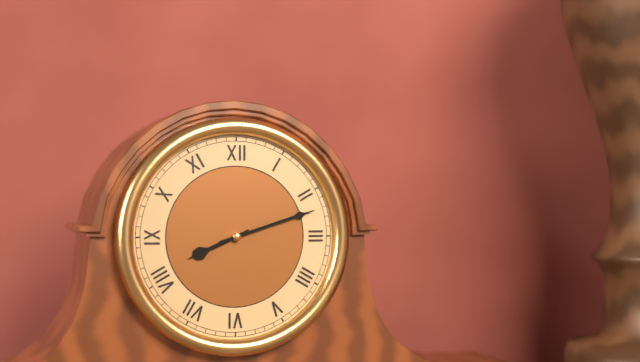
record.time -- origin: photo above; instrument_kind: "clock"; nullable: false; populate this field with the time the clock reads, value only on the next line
8:12
